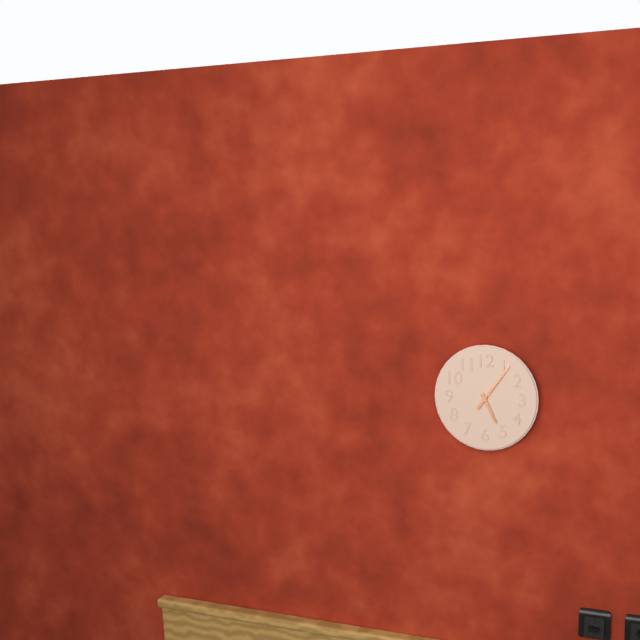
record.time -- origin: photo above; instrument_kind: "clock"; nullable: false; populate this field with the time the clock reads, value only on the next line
5:06
